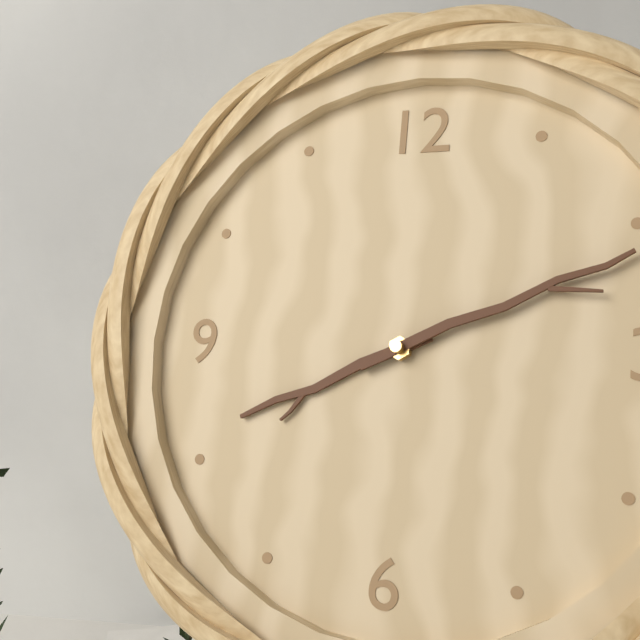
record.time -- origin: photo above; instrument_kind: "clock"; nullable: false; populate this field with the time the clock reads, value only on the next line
8:11
